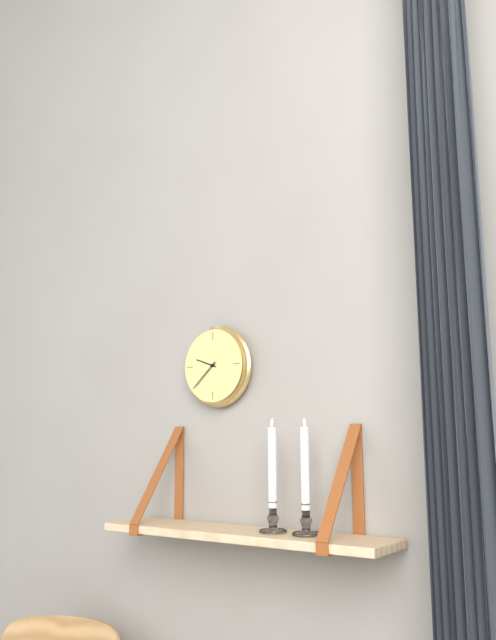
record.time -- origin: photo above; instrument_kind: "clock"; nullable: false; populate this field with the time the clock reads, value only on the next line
9:38
